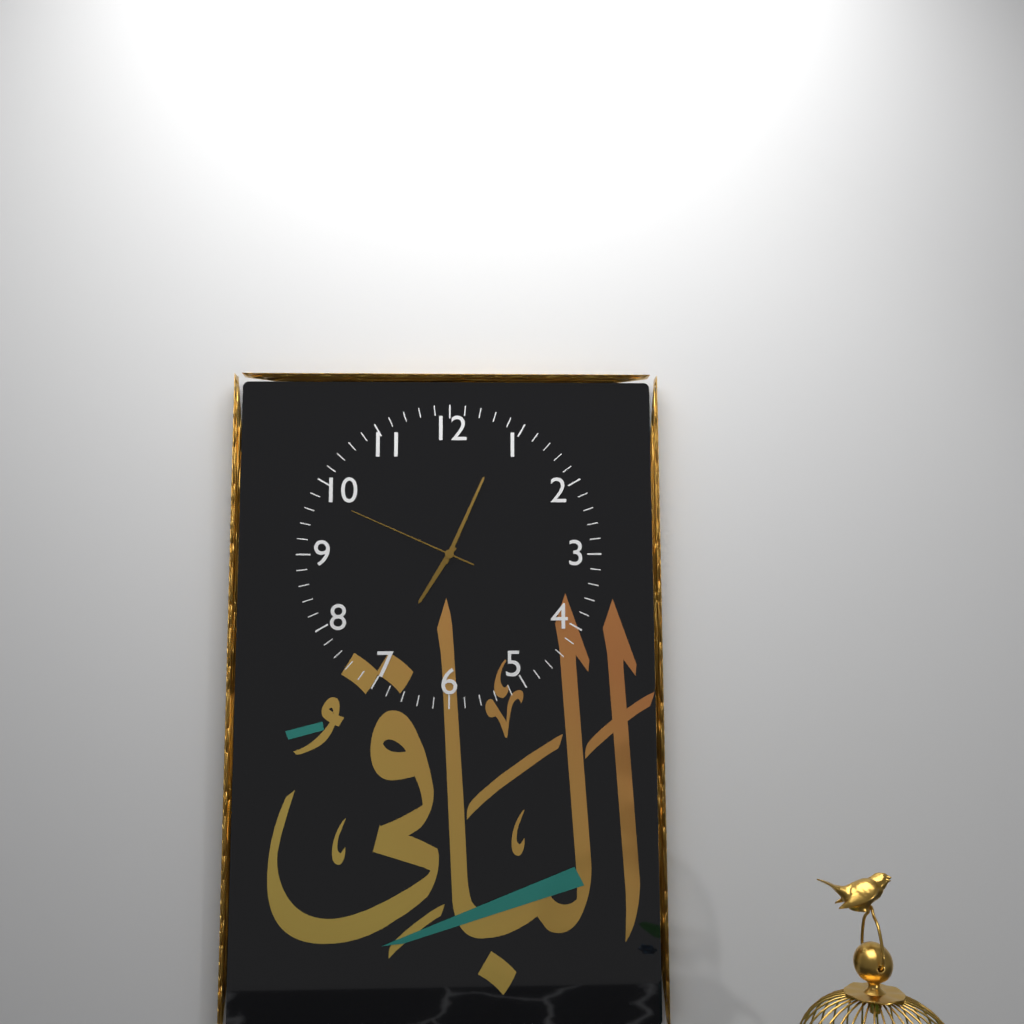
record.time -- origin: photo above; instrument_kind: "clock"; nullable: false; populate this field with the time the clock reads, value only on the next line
7:04:49
